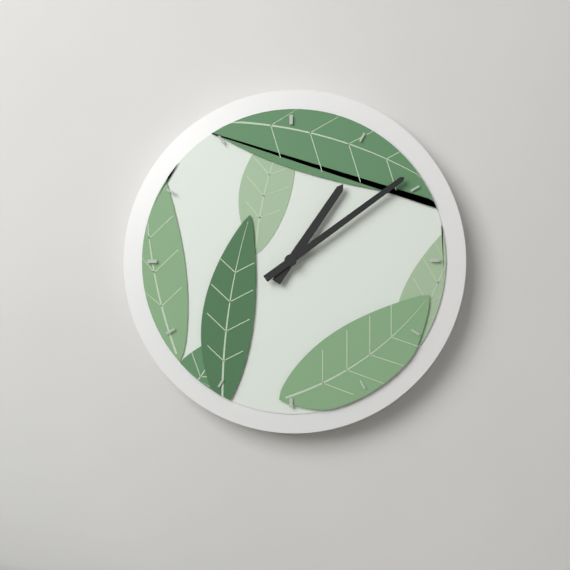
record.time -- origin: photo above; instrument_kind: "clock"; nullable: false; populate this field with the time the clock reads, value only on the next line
1:09
